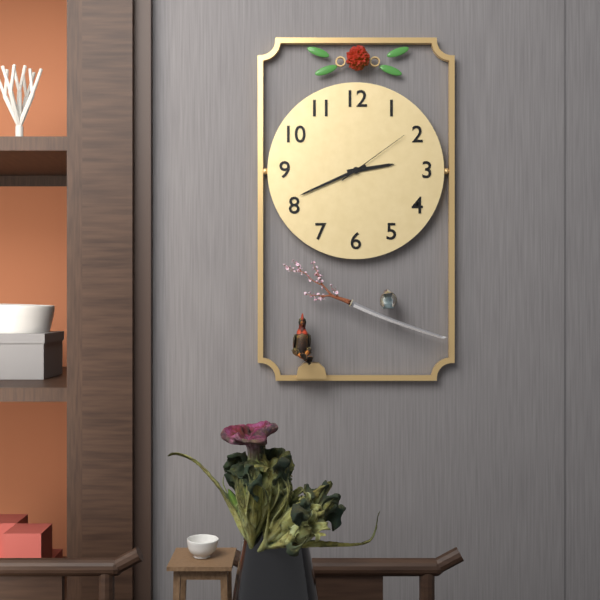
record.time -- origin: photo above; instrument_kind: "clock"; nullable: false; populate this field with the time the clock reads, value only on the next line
2:41:09
